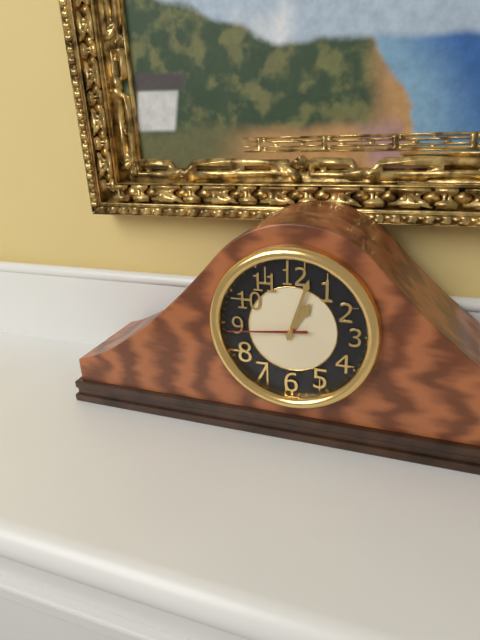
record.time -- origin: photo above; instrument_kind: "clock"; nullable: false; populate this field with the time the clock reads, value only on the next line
1:03:44
